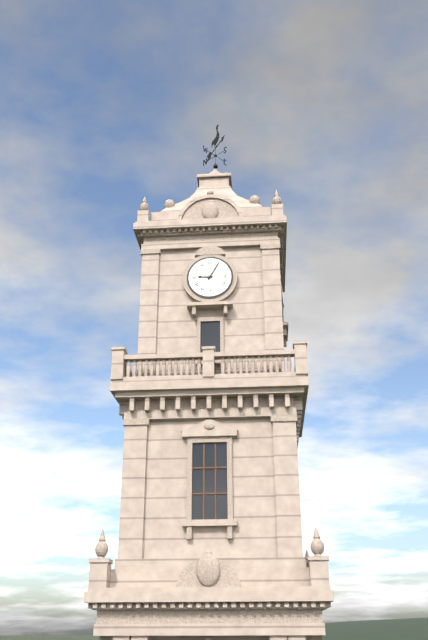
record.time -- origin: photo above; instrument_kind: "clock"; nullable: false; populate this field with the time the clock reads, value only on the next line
9:05
